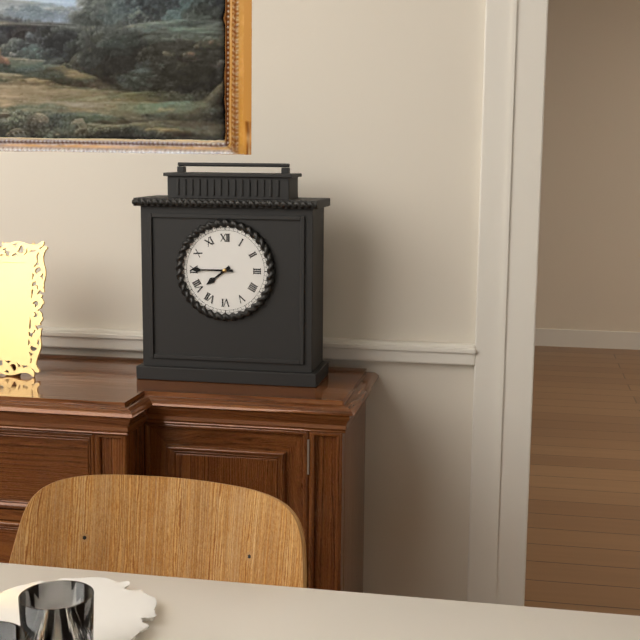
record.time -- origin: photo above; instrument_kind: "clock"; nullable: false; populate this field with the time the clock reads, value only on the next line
7:45
